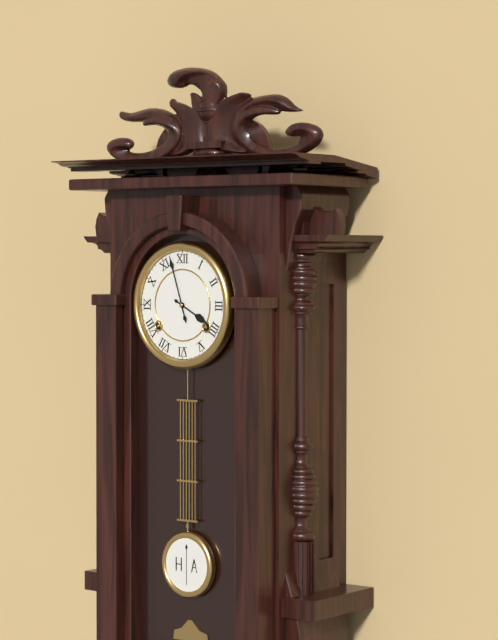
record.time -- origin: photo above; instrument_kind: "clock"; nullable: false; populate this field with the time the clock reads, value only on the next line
3:57
